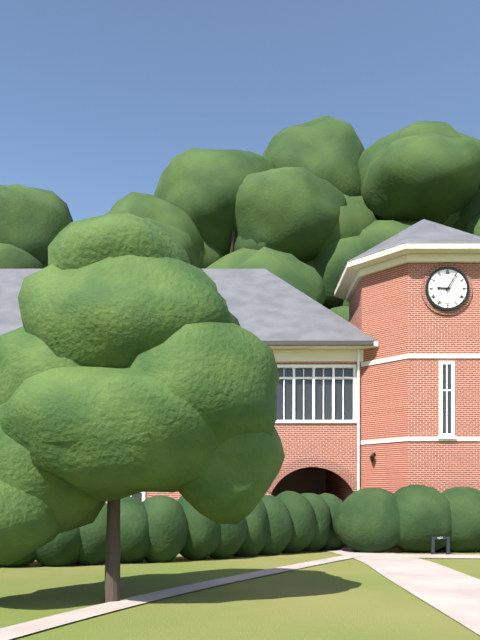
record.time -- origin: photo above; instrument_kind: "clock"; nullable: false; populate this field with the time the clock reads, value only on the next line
9:05
